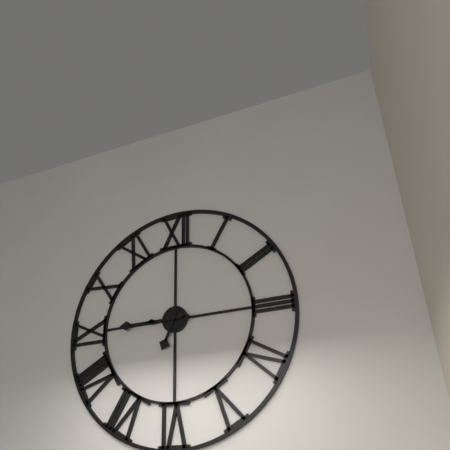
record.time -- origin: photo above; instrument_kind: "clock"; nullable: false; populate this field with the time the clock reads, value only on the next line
6:45
